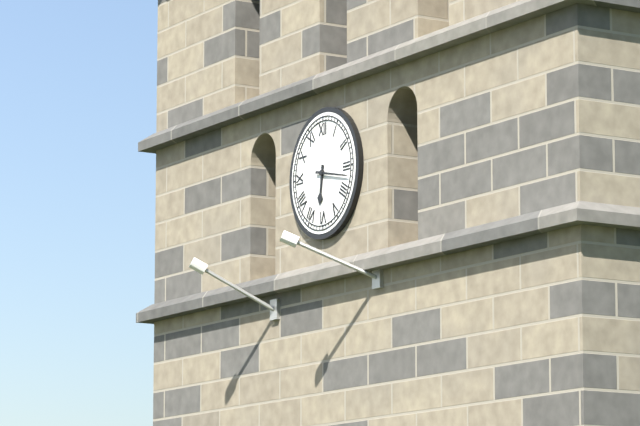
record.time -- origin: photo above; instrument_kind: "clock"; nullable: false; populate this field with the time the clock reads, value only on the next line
6:17
